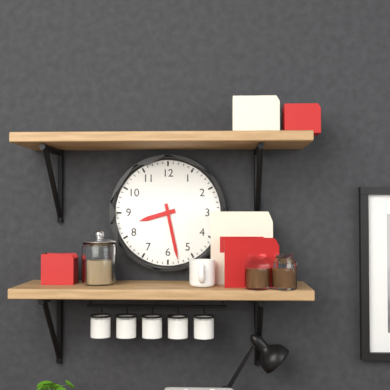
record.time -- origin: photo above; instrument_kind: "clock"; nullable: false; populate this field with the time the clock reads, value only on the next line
8:28
